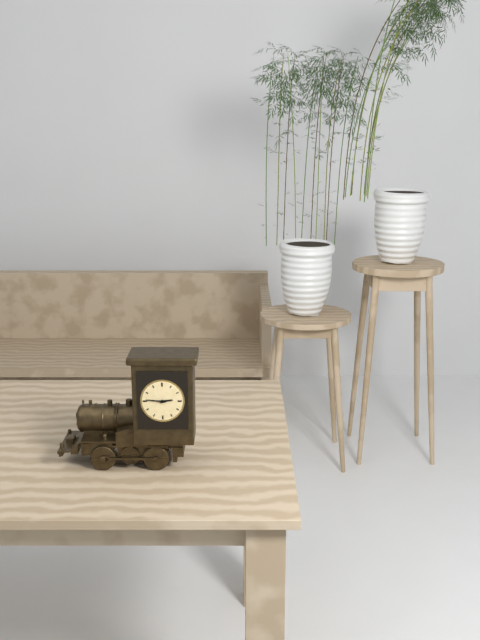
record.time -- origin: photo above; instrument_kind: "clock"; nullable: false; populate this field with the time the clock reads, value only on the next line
2:46
